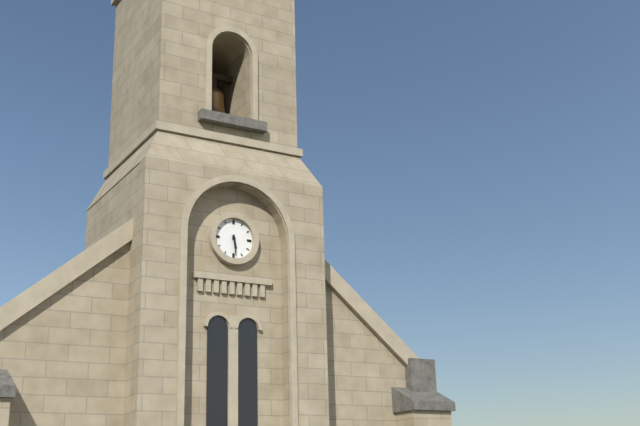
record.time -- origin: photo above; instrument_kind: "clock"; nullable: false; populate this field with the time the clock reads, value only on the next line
5:29
